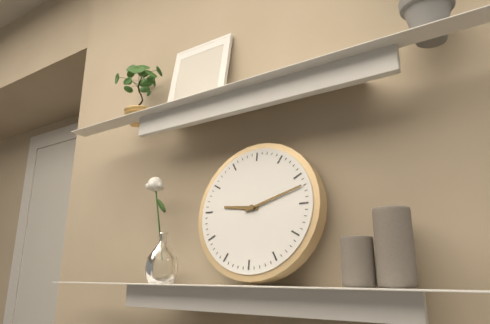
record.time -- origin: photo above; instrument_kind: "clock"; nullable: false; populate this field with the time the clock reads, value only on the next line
9:12
